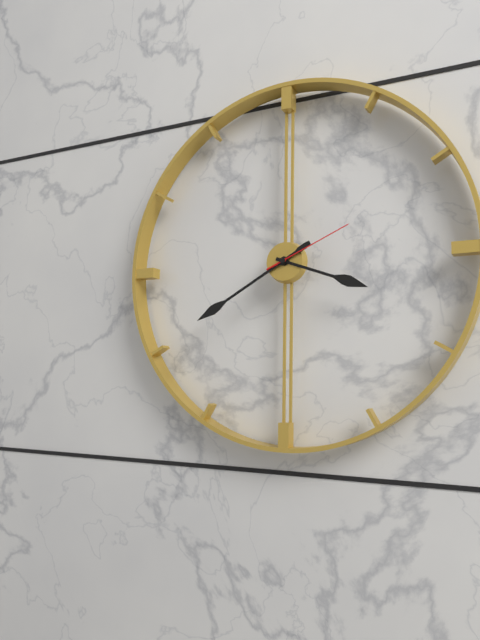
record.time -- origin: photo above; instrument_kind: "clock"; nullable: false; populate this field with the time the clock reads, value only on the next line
3:40:11
